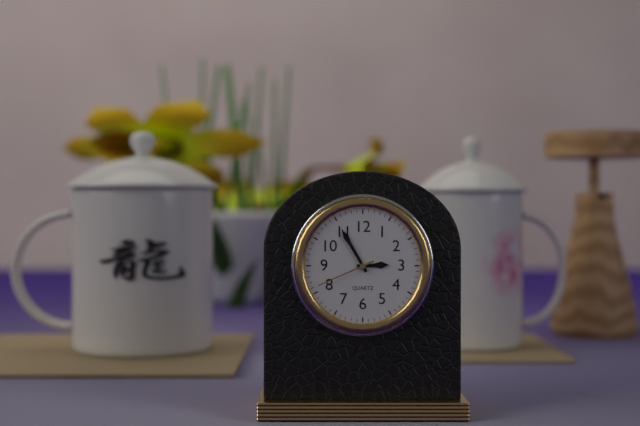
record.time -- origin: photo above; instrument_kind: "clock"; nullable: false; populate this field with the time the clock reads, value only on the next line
2:55:41
